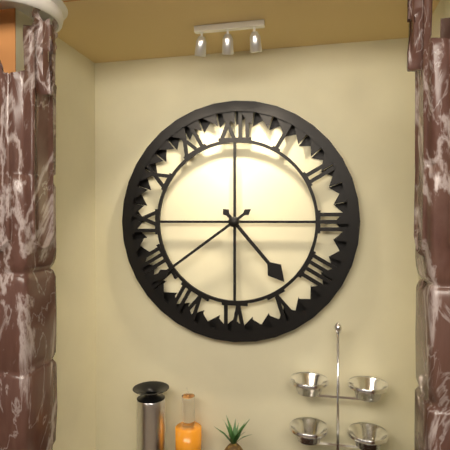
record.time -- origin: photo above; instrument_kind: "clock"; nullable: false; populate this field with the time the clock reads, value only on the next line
4:39
